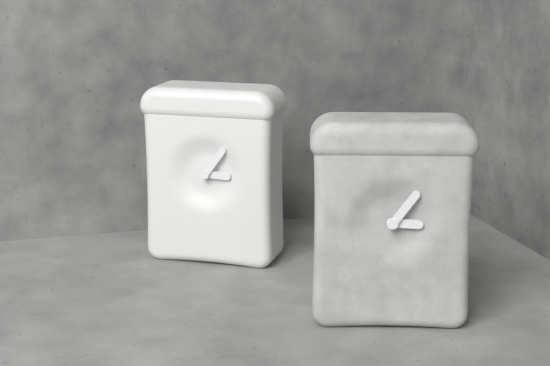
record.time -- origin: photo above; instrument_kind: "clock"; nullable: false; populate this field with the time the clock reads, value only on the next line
3:06
